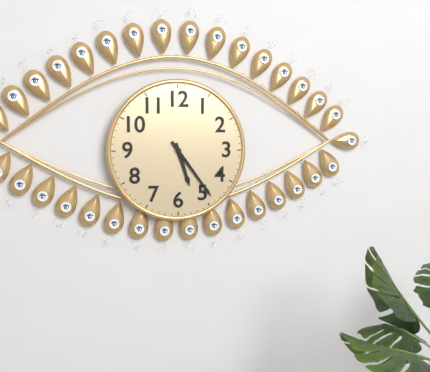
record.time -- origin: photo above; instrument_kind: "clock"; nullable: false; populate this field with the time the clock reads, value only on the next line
5:24
